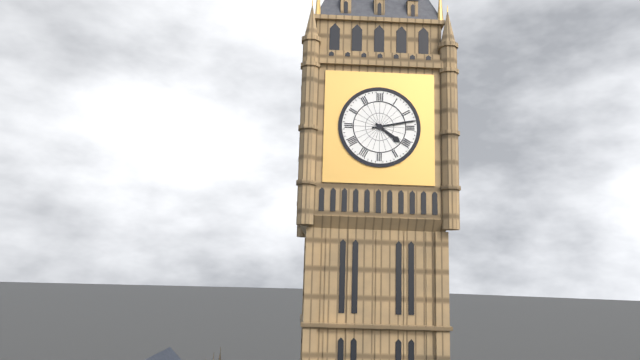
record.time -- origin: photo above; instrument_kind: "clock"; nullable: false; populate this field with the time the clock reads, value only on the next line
4:13
